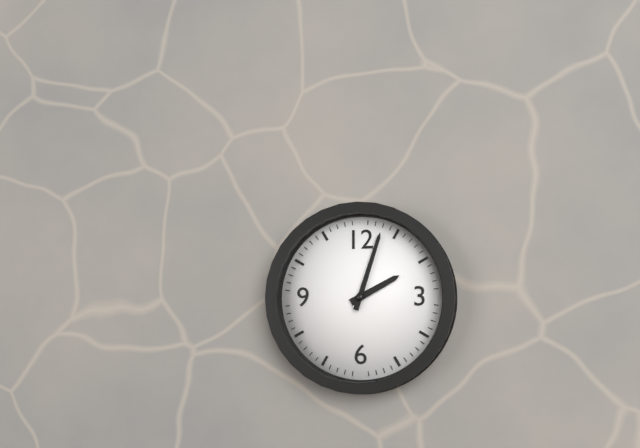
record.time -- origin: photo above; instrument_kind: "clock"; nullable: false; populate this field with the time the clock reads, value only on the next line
2:03
